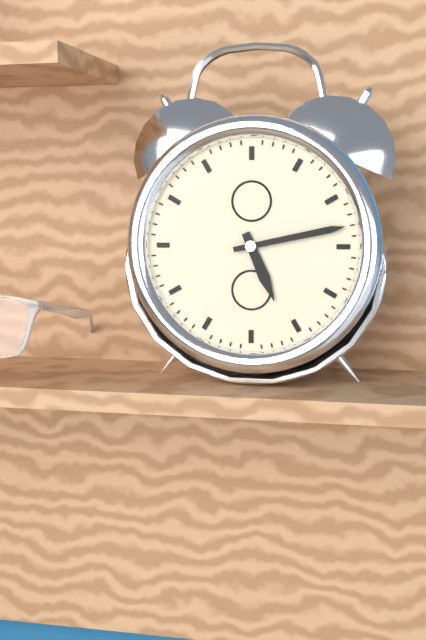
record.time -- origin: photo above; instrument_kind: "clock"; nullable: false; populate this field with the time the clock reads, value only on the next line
5:13
